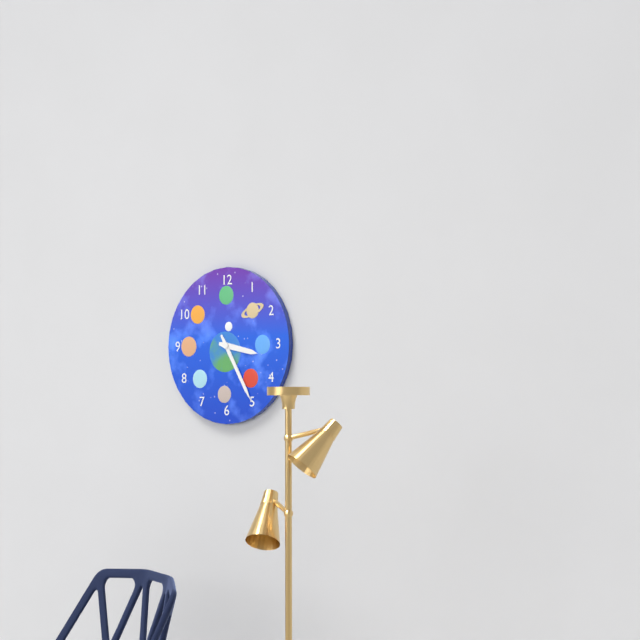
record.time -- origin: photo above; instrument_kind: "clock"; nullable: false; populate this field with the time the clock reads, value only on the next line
3:25
